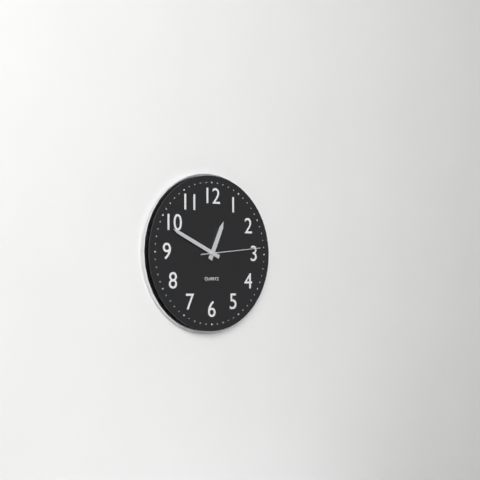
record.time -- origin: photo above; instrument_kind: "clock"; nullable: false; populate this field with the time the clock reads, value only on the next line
12:49:14
